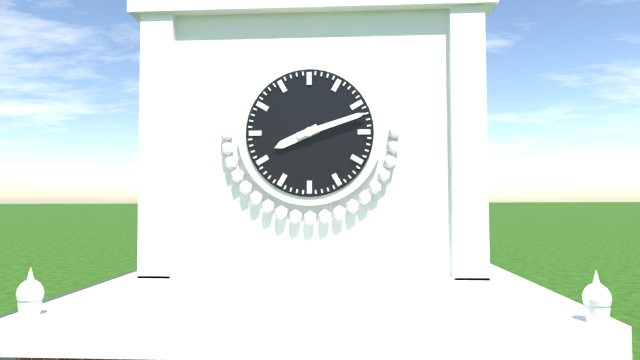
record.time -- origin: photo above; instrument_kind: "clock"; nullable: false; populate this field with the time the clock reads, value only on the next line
8:12
